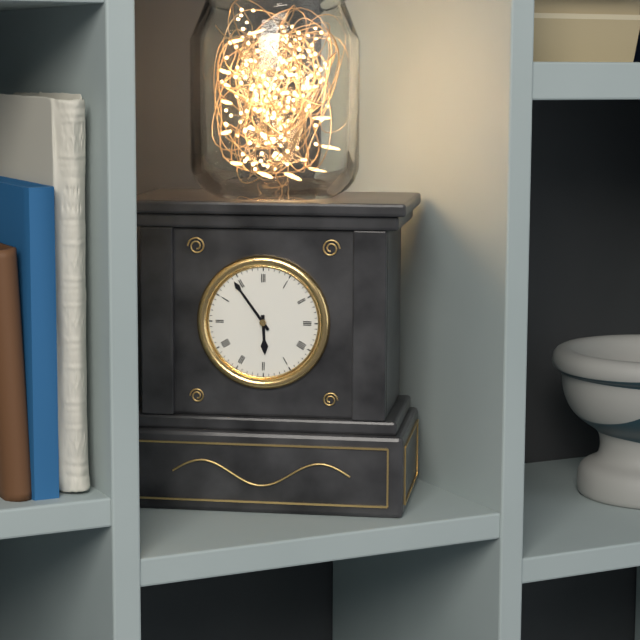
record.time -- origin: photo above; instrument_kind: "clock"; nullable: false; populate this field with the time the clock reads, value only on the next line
5:54
